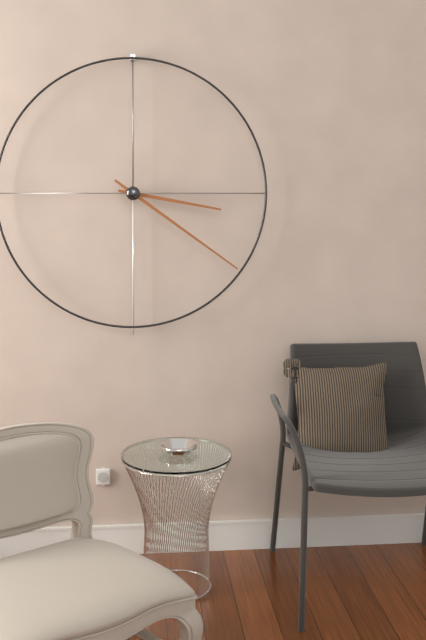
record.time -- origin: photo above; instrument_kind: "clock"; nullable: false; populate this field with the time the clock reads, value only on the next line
3:21
